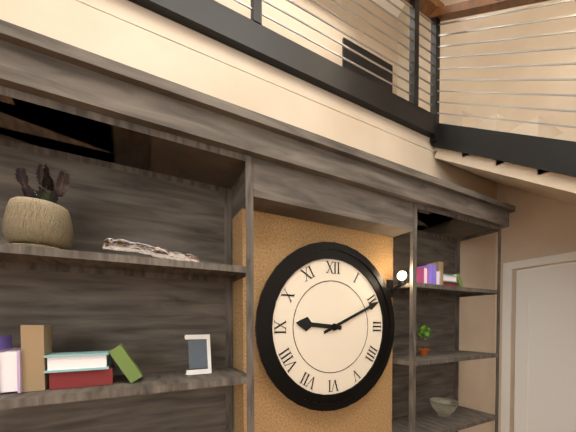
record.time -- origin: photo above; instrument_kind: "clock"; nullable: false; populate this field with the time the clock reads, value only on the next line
9:11
